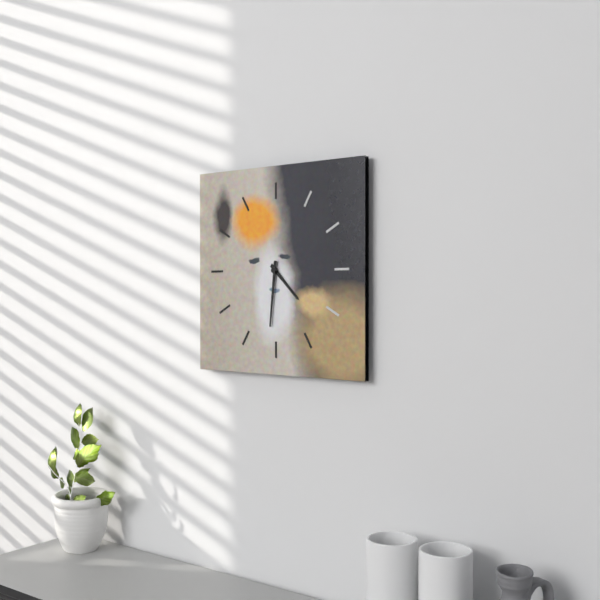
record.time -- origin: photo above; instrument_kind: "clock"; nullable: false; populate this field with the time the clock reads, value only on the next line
4:31
